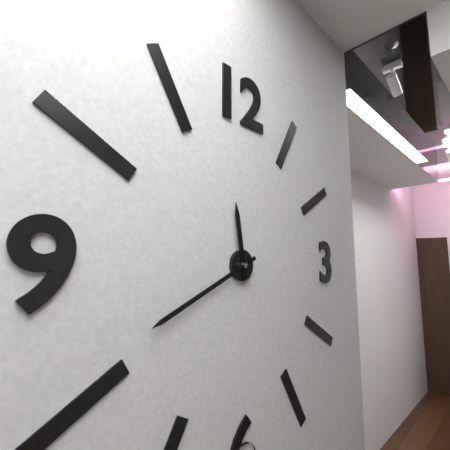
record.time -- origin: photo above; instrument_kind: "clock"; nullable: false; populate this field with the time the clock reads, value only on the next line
11:41
